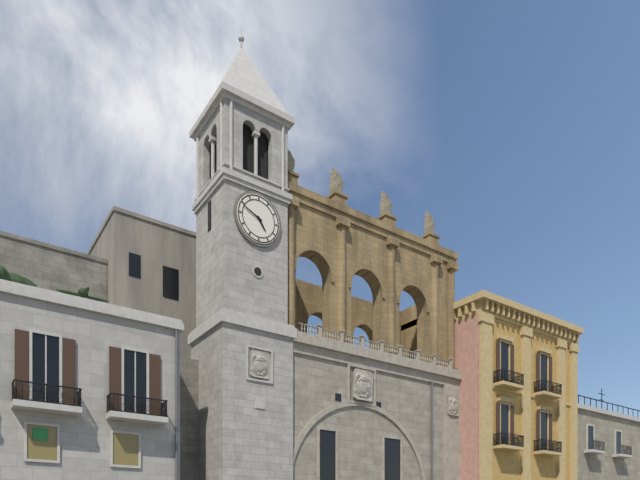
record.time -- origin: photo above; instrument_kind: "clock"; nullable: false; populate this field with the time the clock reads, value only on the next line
4:49
